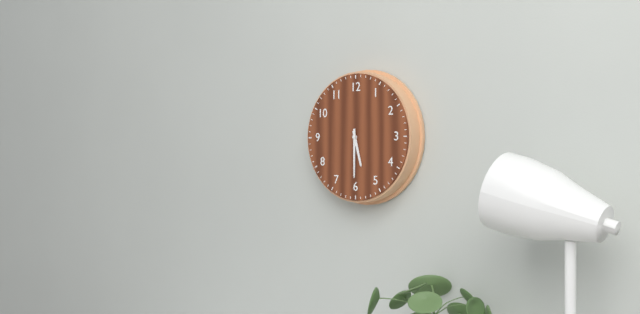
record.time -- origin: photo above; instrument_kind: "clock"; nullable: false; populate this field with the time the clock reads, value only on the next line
5:30
